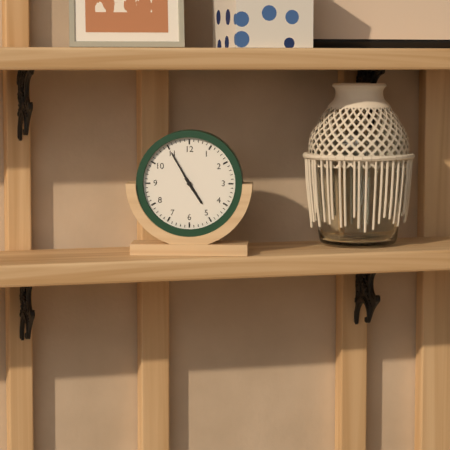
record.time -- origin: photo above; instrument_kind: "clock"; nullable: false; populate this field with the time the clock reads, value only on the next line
4:55
